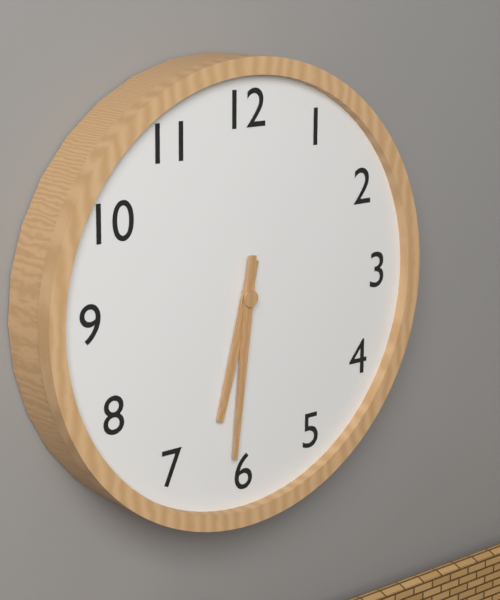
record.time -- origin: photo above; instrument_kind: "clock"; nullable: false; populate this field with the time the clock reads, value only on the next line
6:31
